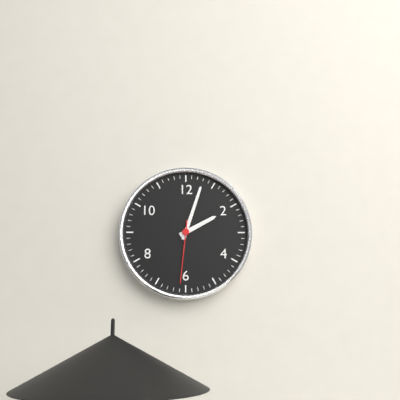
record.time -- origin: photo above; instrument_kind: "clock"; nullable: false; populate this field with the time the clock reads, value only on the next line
2:03:31
